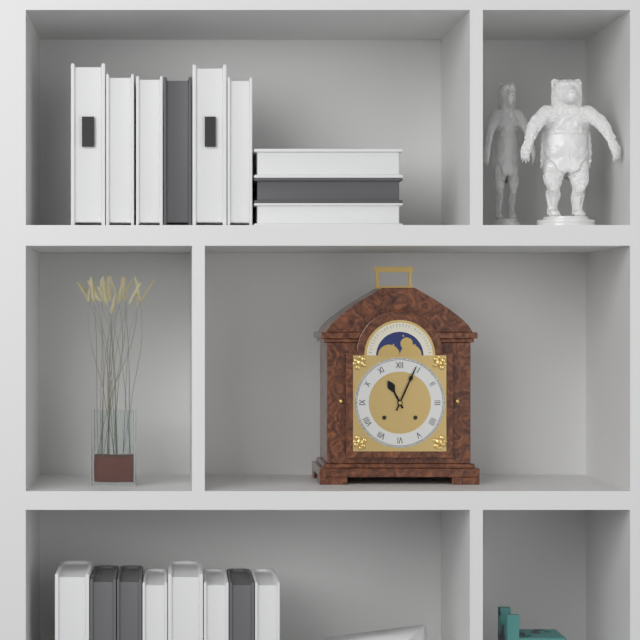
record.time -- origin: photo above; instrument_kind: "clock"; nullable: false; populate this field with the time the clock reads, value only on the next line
11:04
